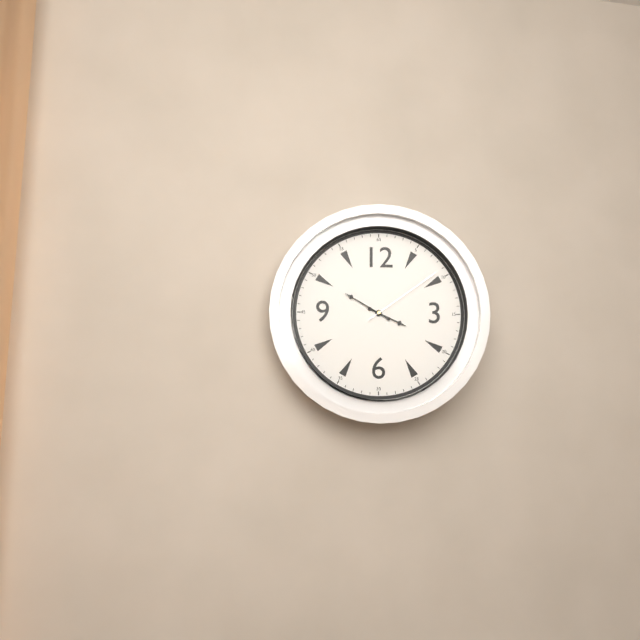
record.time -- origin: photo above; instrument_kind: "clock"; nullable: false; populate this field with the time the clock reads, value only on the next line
3:50:09
